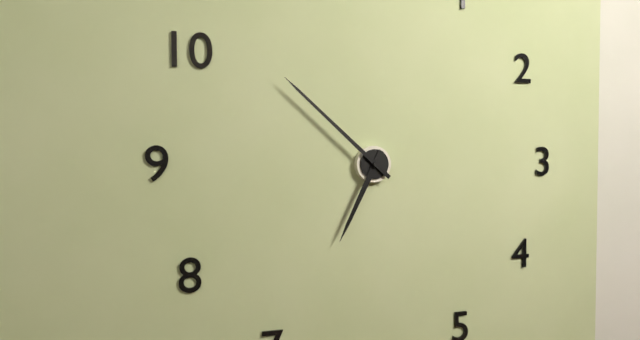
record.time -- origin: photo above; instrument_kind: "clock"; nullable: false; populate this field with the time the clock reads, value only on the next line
6:52
